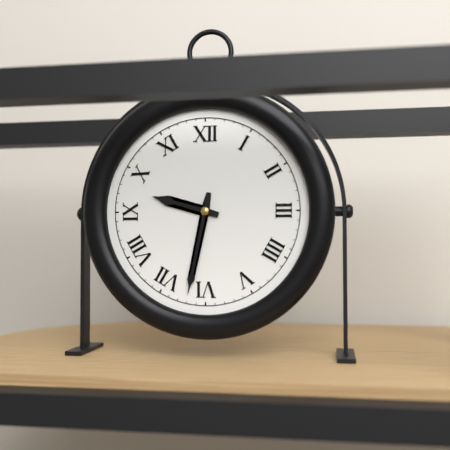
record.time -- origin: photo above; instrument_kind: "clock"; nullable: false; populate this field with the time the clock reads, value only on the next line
9:32
